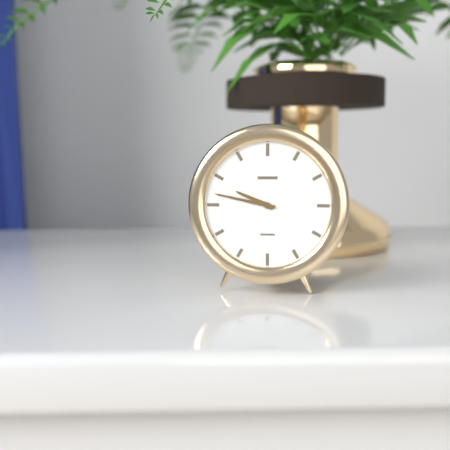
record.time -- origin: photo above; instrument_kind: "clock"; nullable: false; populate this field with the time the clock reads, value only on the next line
9:47
